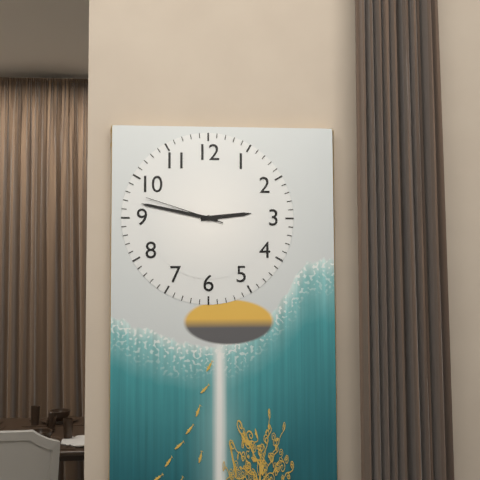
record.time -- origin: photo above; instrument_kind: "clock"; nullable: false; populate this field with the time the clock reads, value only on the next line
2:47:48
